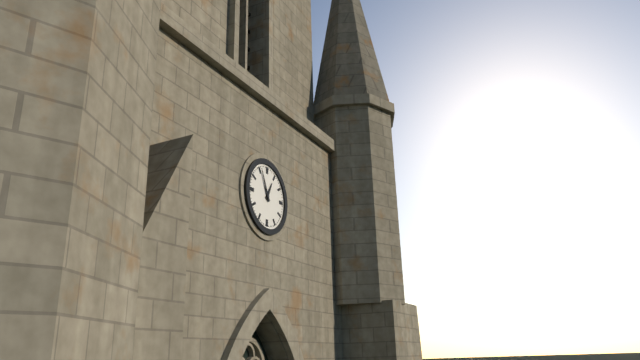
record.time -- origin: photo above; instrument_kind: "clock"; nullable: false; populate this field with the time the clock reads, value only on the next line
12:56
